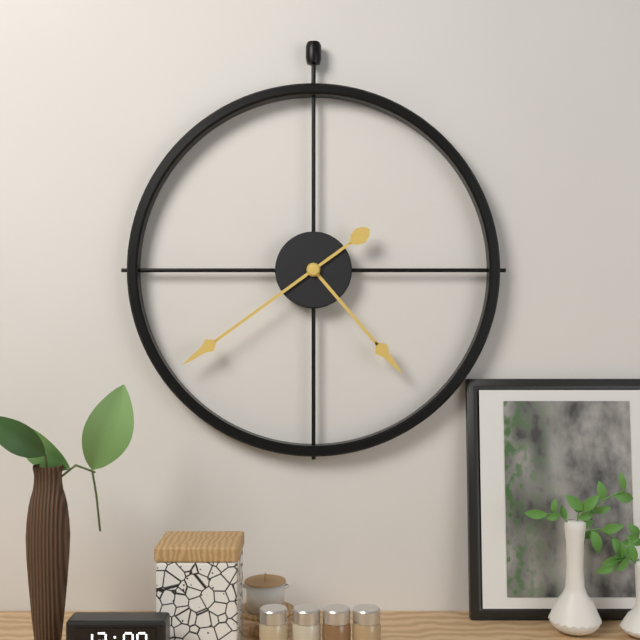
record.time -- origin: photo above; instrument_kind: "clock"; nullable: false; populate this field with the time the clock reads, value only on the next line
4:39
